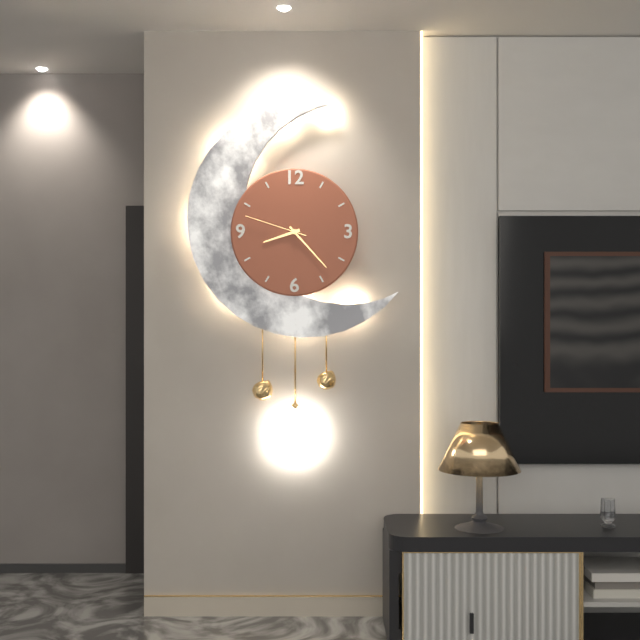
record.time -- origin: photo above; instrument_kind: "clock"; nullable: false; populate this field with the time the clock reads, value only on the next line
8:23:48
